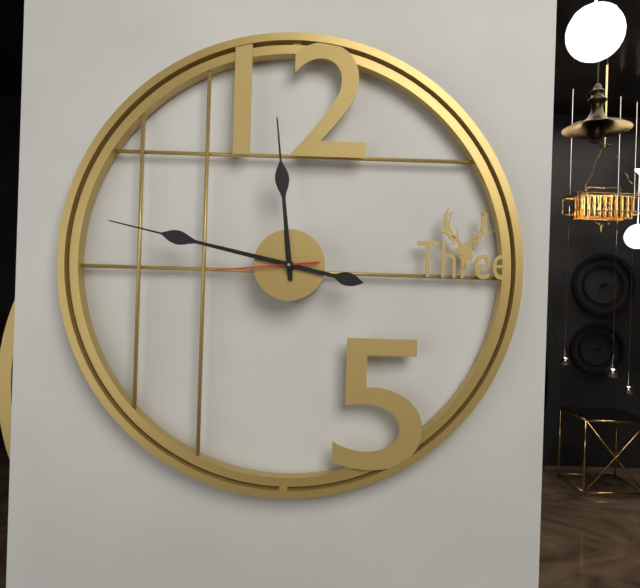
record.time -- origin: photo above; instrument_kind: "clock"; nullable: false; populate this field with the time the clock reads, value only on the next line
11:47:44
